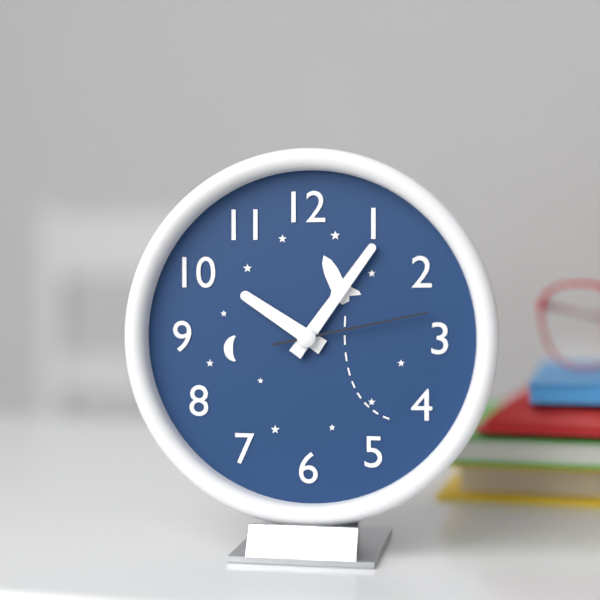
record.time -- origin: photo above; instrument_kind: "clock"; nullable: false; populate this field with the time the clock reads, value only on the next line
10:06:13
